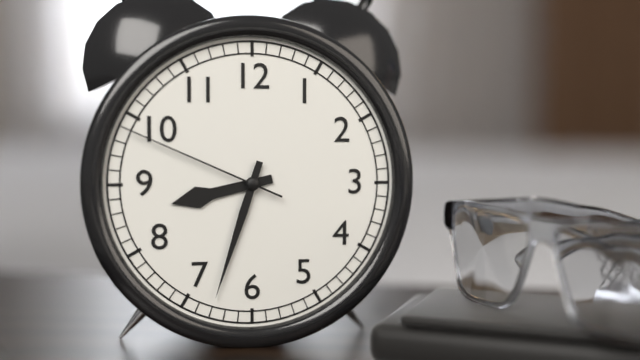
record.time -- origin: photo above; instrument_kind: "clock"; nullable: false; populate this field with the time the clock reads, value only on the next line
8:33:49
